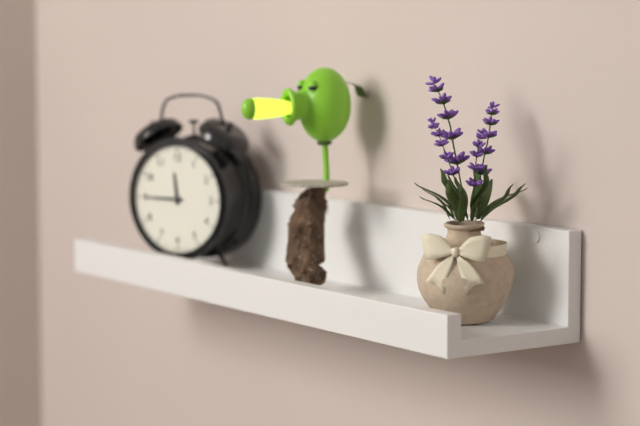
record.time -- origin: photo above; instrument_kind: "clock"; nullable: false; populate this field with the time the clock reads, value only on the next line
11:45
